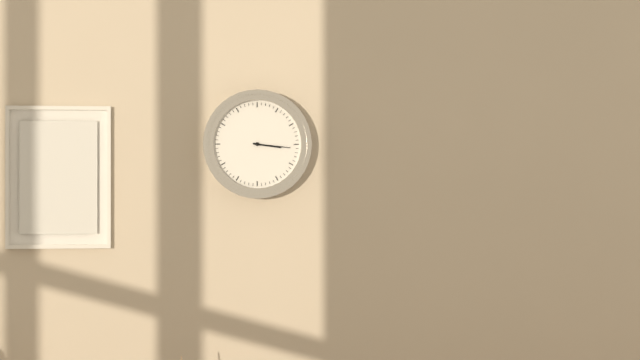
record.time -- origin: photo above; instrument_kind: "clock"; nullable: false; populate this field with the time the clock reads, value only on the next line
3:16
